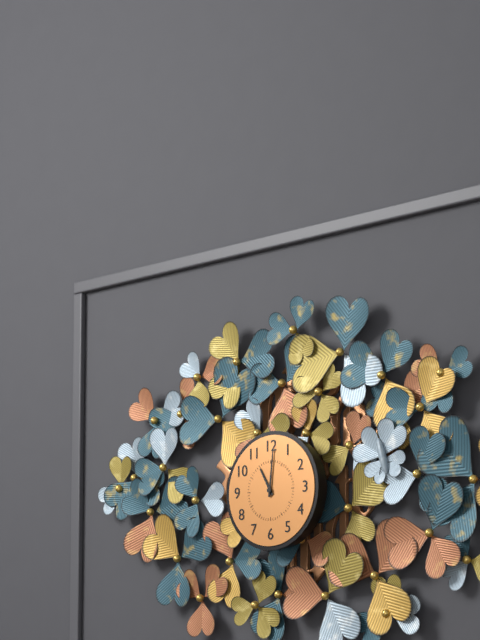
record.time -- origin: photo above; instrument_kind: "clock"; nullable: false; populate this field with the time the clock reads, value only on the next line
11:01
